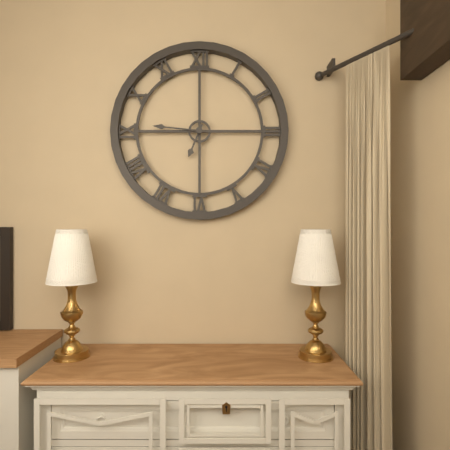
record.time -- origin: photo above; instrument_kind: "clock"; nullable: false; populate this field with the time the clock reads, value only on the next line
6:46
